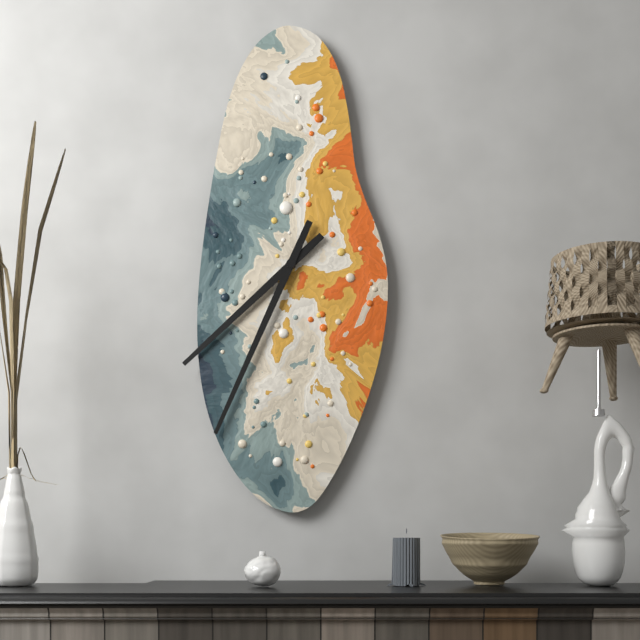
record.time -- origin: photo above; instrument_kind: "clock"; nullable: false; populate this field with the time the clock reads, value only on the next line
7:34
